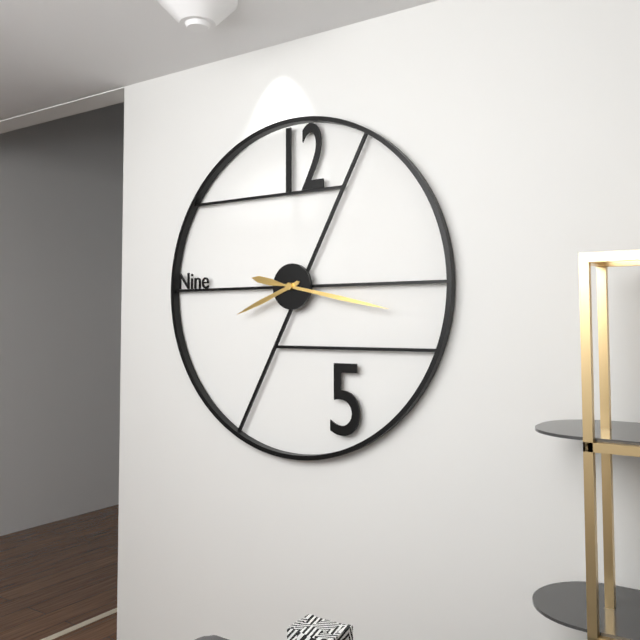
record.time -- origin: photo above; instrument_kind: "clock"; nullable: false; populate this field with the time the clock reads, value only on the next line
8:17
